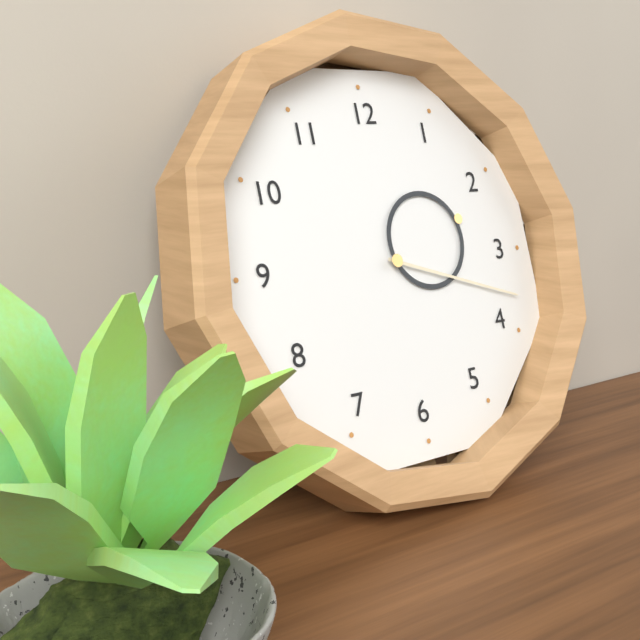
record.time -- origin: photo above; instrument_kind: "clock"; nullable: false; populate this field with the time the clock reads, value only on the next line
2:18
